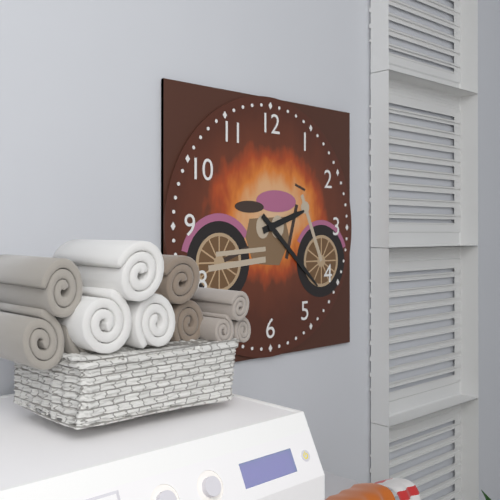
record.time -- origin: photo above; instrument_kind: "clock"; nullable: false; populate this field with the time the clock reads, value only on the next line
2:22
